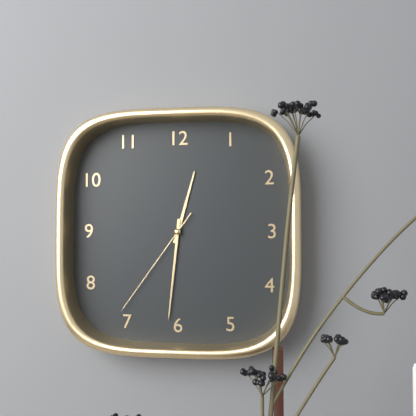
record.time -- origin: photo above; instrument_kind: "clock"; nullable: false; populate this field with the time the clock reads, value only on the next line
12:31:36
